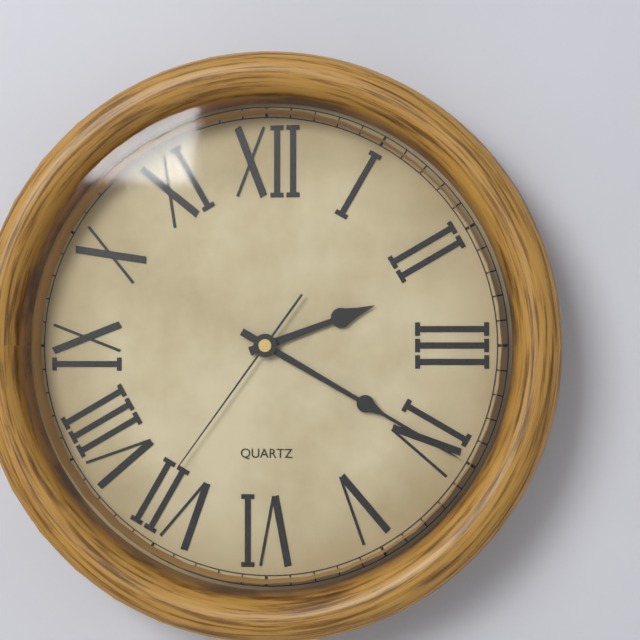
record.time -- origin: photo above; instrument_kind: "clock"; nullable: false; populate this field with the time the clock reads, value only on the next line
2:20:36
